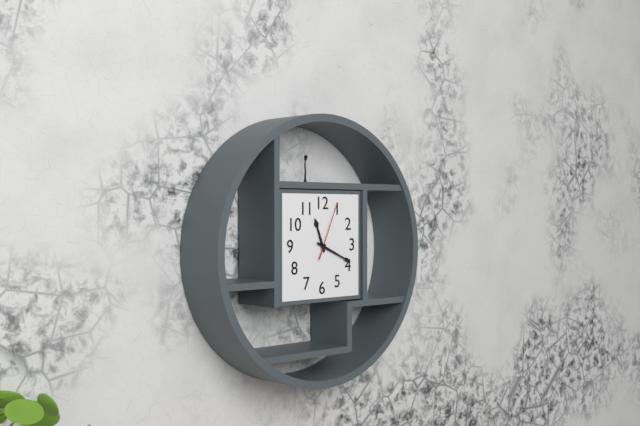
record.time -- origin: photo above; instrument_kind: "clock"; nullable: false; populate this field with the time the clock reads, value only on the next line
11:19:04
